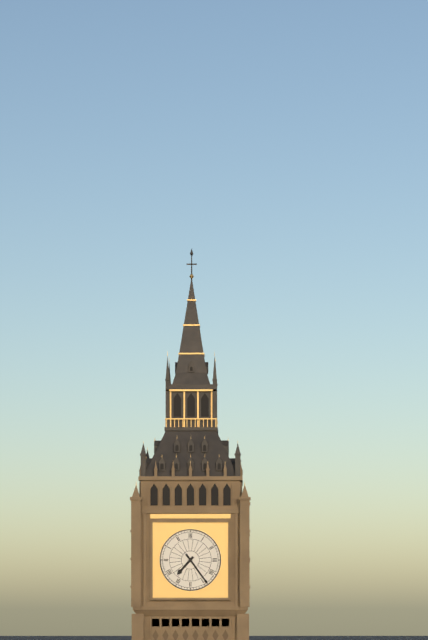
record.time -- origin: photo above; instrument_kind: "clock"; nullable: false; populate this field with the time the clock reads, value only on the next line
7:24
